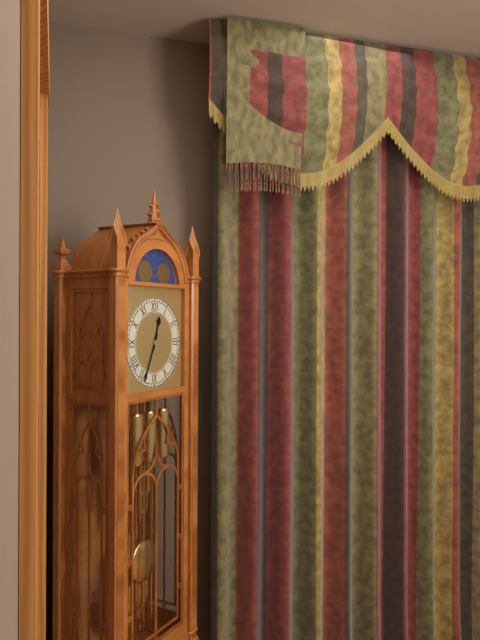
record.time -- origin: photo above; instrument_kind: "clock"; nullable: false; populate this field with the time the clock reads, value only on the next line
12:34
